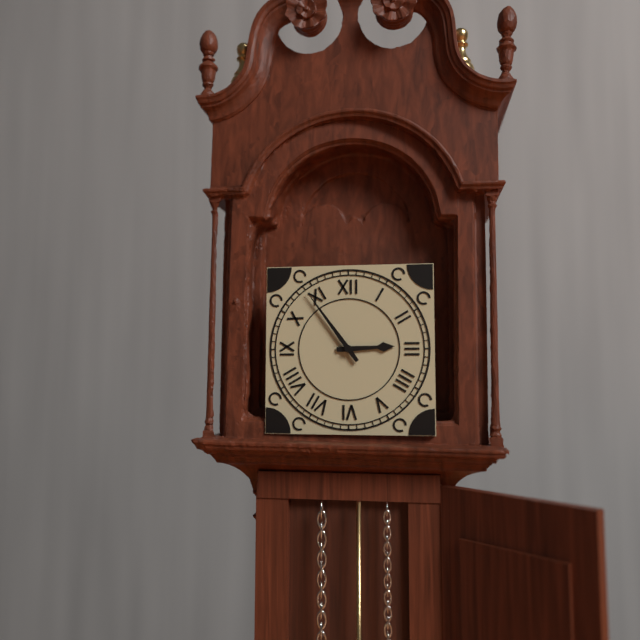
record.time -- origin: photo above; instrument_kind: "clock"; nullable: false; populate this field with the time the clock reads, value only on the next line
2:54
